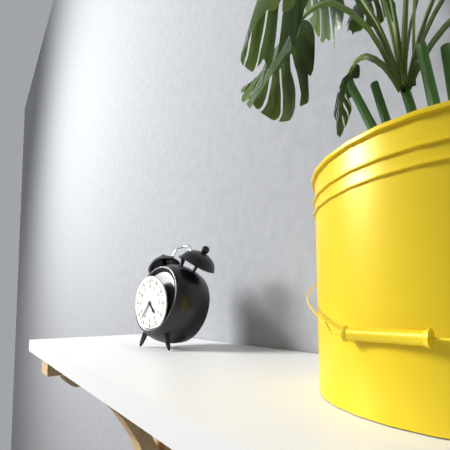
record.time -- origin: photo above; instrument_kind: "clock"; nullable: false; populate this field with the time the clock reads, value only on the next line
4:37
